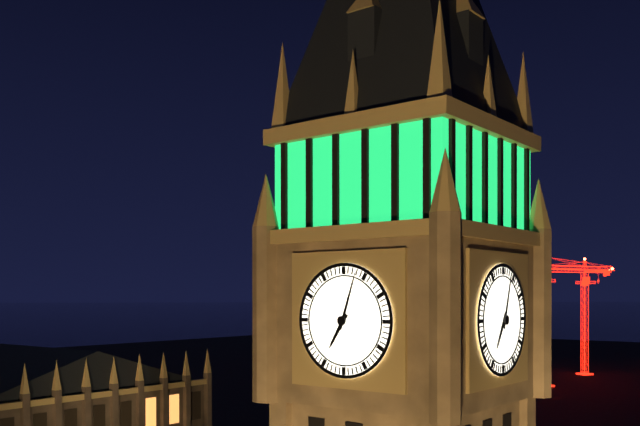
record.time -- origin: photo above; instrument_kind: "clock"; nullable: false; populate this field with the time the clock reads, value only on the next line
7:03
